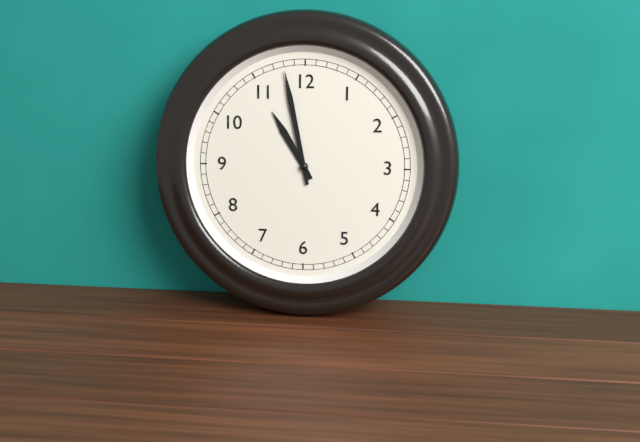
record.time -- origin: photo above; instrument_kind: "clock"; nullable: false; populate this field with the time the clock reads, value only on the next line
10:58
